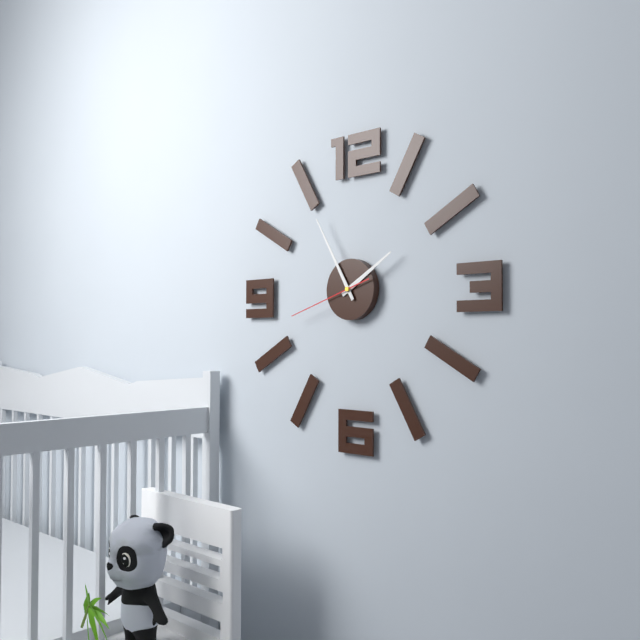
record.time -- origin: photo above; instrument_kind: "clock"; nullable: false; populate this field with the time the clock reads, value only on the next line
1:55:42
